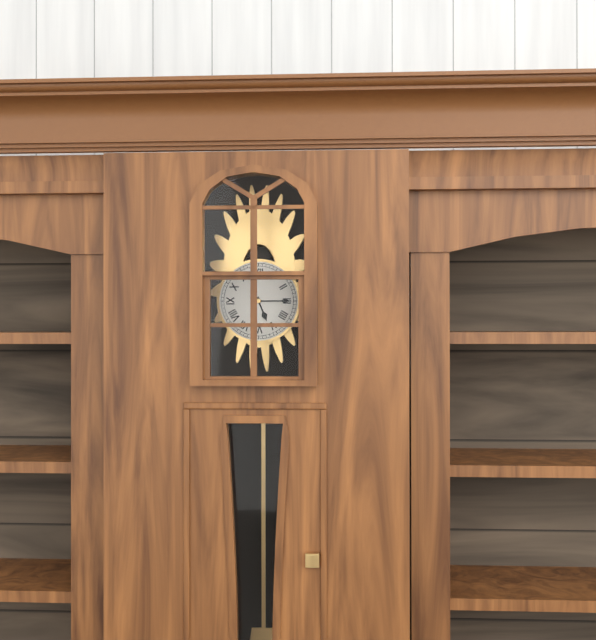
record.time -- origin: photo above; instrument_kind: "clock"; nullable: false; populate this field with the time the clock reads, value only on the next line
5:15
